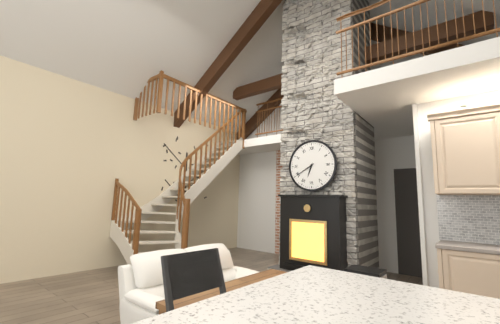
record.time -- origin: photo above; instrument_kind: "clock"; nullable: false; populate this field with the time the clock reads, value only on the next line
6:40
